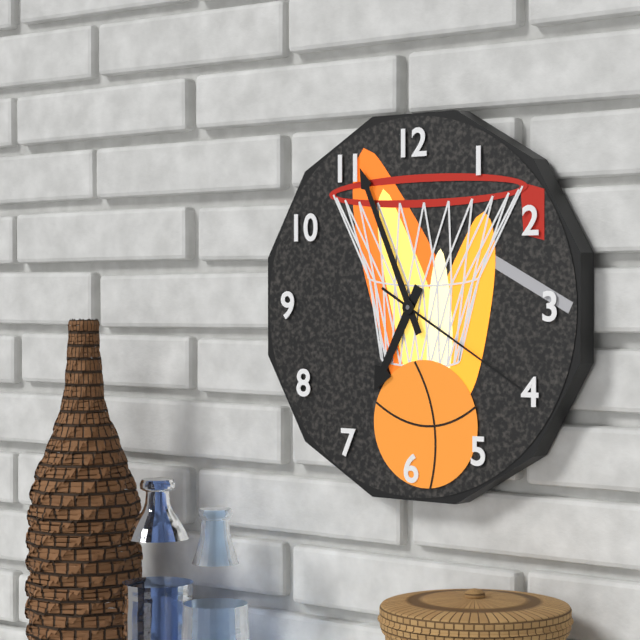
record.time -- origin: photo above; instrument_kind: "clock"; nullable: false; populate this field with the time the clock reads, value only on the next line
6:56:20
